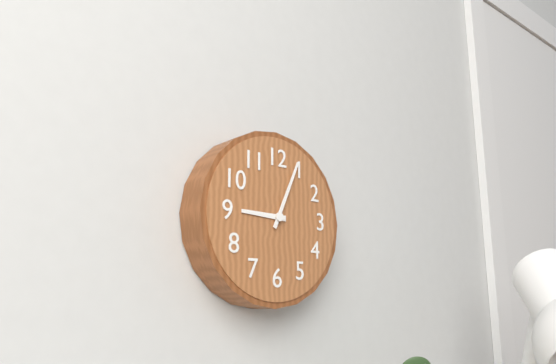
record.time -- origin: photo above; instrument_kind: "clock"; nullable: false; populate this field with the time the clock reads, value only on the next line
9:04
